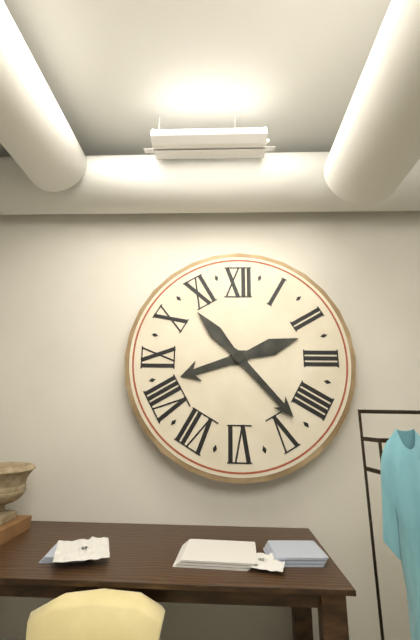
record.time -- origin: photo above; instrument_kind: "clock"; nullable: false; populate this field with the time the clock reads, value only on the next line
8:23
